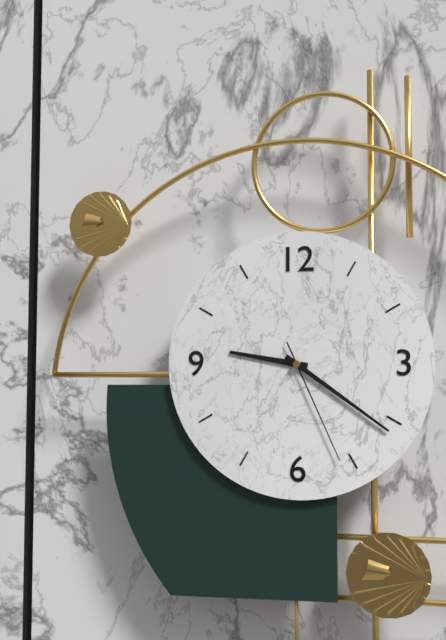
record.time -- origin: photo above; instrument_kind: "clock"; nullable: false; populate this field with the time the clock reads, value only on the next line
9:21:26
